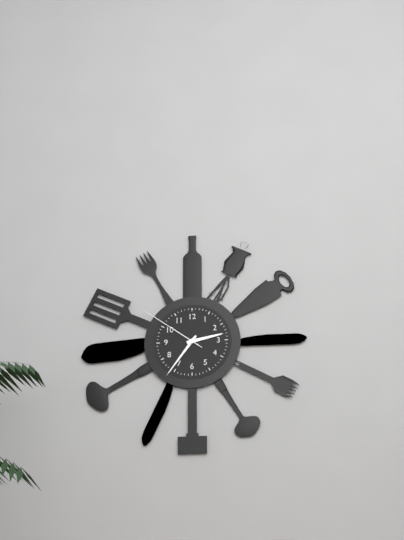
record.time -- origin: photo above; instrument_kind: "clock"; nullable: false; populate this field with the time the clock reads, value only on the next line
2:36:51
